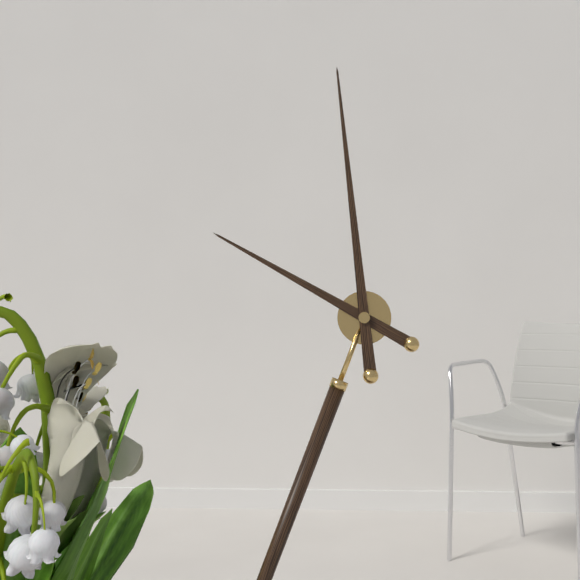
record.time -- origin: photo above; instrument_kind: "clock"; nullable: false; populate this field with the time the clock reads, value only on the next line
9:59
